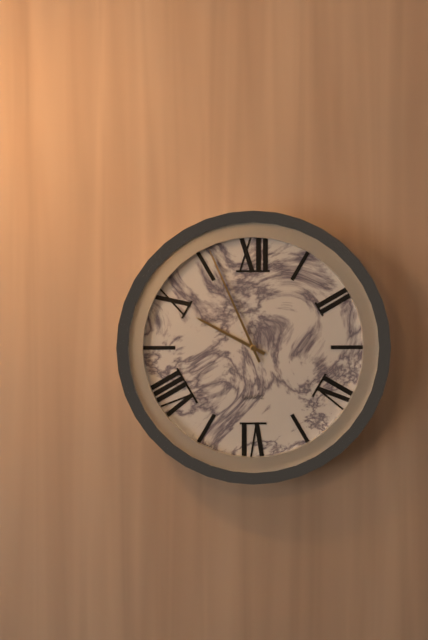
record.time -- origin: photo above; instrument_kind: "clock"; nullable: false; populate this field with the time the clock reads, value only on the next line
9:56
